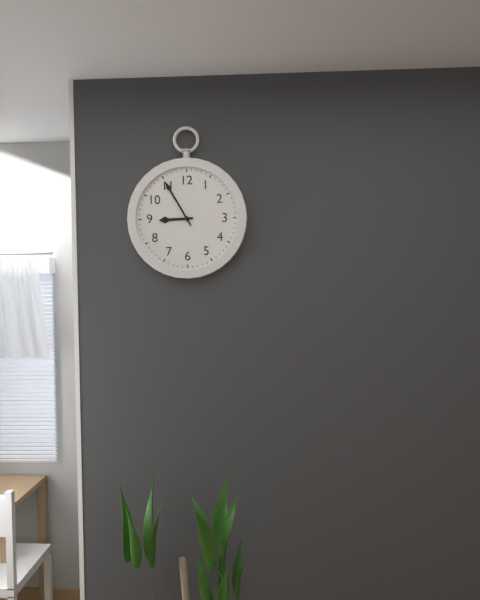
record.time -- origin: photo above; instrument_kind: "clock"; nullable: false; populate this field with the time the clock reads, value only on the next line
8:55
